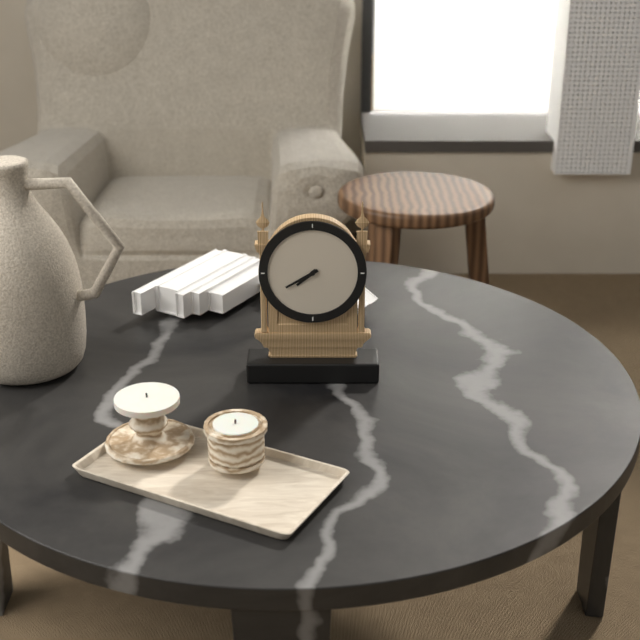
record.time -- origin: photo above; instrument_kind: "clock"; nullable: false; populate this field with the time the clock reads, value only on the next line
7:40
